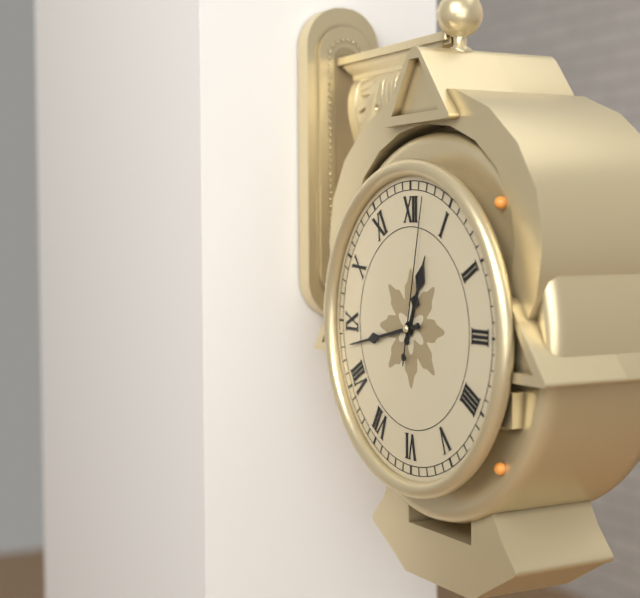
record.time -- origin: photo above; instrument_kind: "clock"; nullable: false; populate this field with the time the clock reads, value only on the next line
12:43:02
